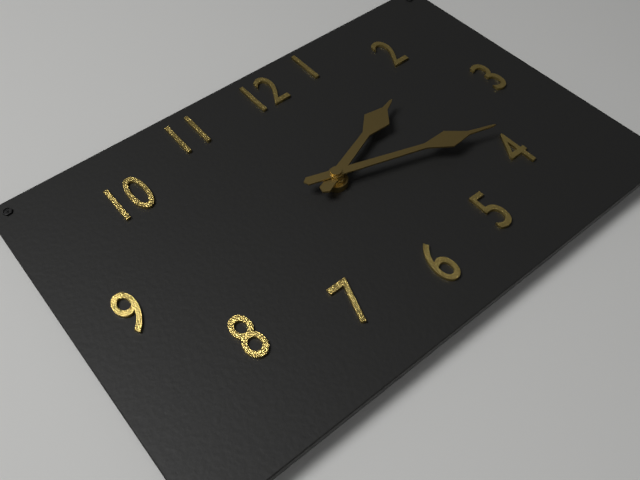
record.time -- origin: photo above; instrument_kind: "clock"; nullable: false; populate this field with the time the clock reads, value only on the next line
2:18
